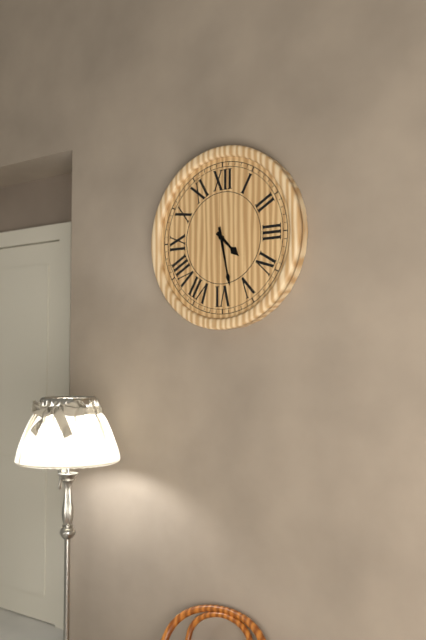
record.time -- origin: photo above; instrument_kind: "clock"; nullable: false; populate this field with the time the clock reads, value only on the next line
4:28
